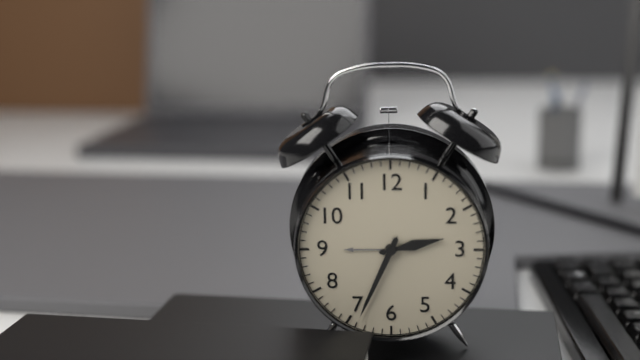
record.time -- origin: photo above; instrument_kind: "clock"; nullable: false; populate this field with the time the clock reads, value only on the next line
2:34
